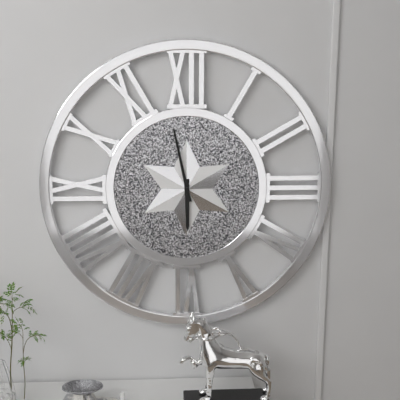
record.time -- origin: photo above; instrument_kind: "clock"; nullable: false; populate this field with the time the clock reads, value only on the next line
5:58
